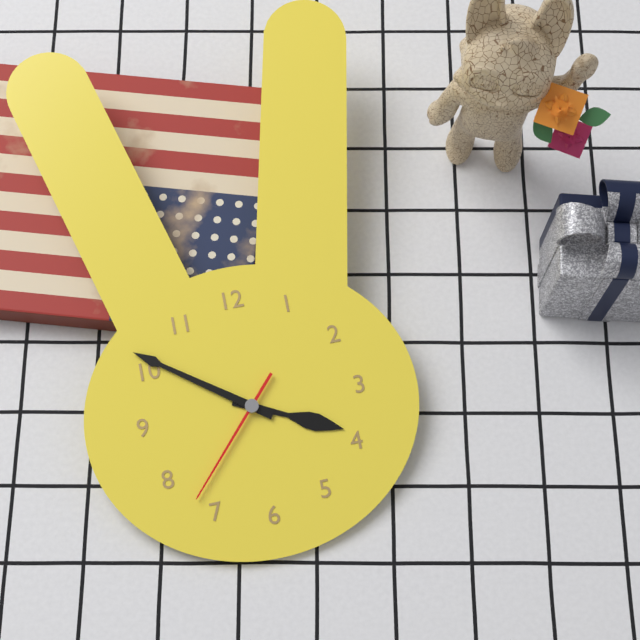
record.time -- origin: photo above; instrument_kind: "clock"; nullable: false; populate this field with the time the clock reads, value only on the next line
3:51:37
